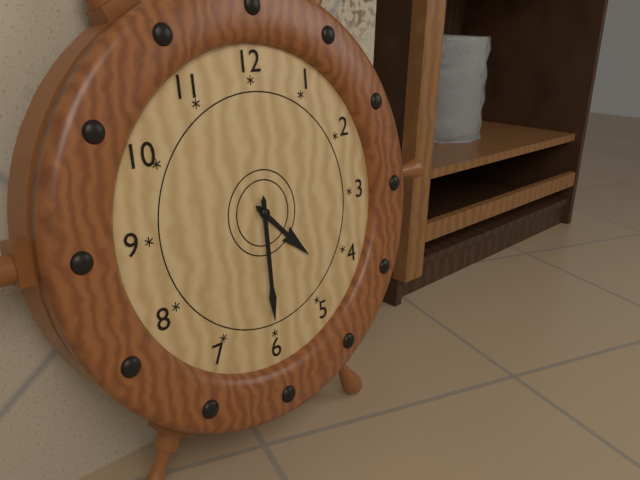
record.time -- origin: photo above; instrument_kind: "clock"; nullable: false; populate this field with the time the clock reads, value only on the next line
4:30
